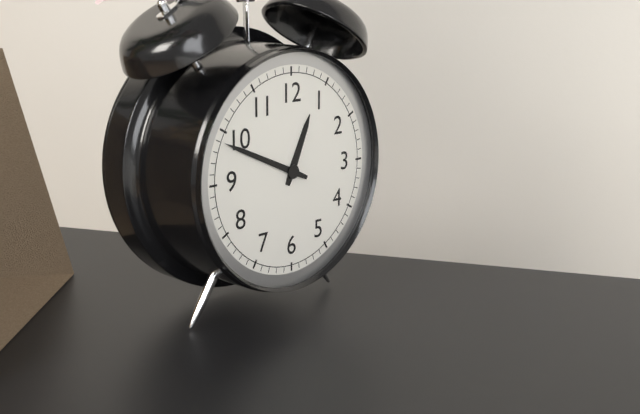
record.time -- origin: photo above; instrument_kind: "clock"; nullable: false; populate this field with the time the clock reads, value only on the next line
12:49
